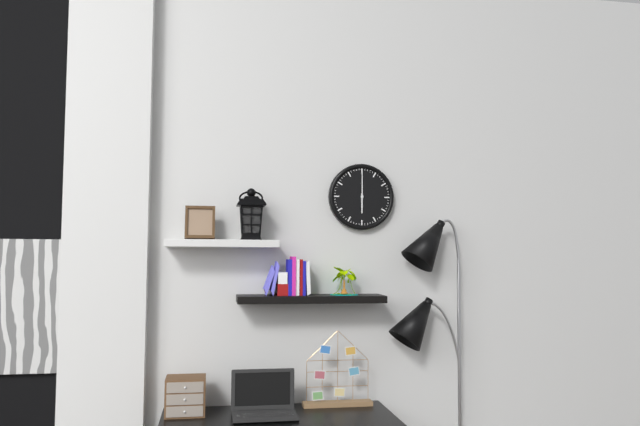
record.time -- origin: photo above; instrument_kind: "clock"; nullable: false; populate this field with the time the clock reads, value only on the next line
6:00
